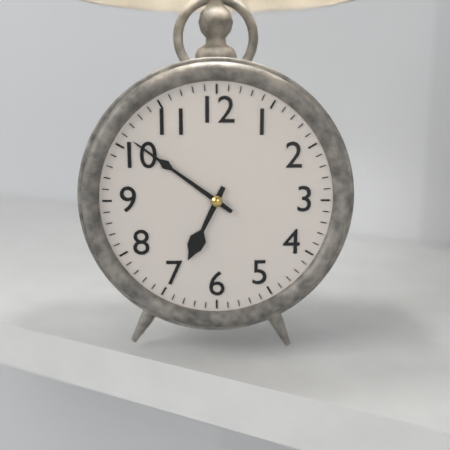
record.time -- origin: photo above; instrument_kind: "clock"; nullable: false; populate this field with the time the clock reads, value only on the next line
6:51
